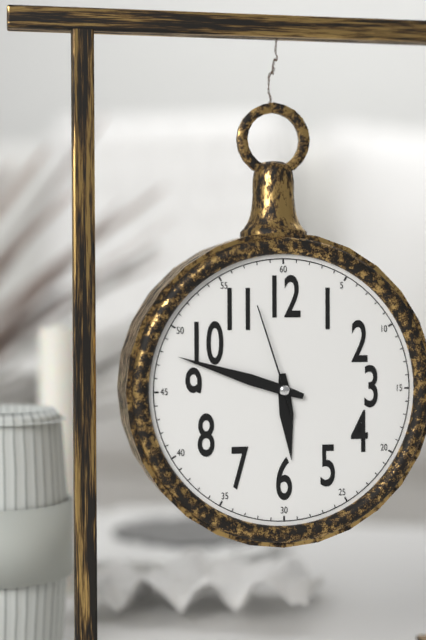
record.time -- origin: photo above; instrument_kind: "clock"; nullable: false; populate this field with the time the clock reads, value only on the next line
5:48:57
